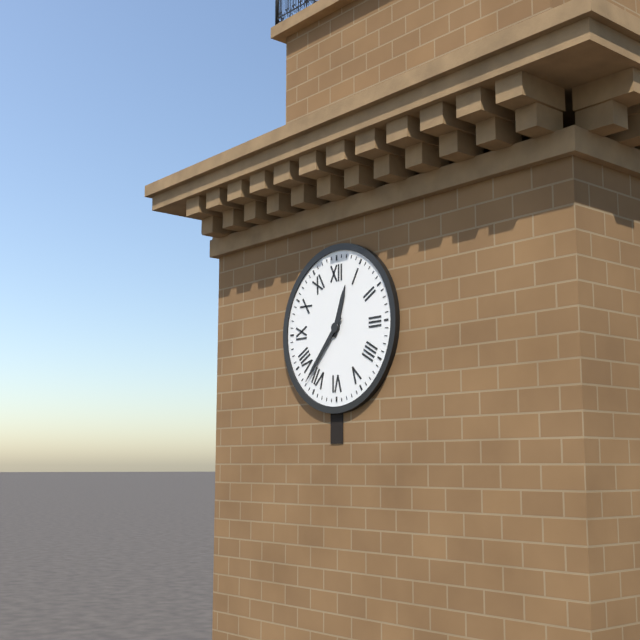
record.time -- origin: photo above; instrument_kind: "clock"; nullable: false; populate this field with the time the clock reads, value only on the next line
12:37
